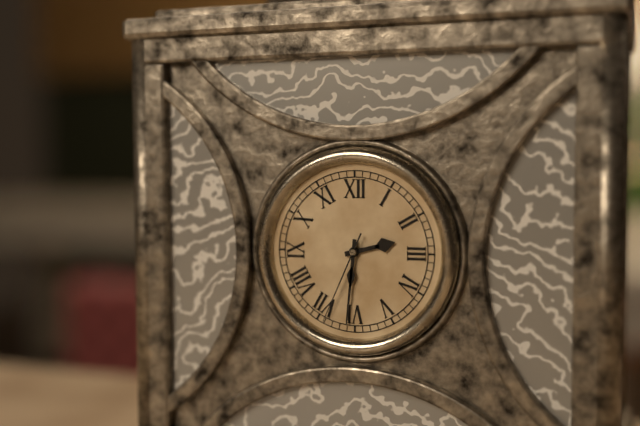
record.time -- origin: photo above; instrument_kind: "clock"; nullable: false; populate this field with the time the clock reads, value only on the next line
2:31:34
